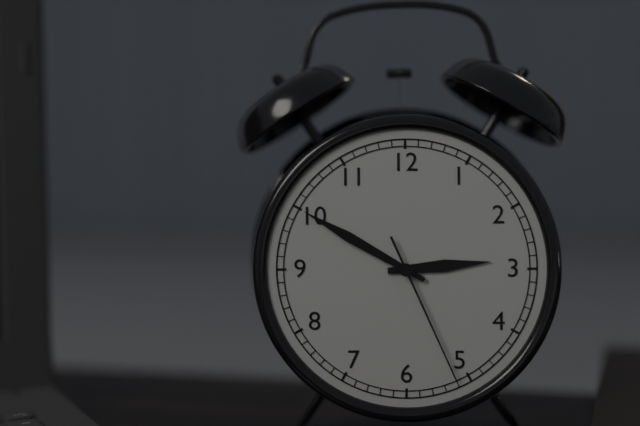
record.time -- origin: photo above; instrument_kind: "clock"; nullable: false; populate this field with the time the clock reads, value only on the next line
2:50:26
